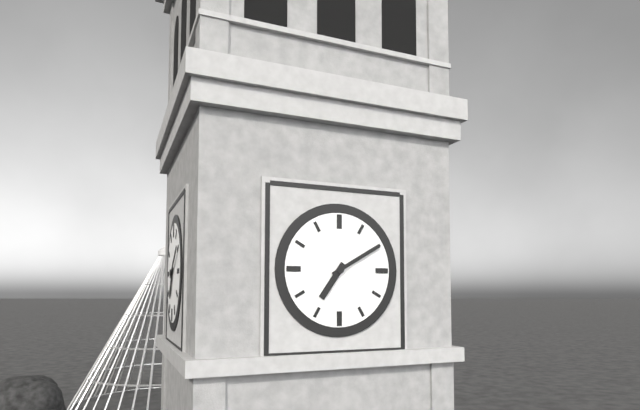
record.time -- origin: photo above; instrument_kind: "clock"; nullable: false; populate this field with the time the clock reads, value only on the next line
7:10
